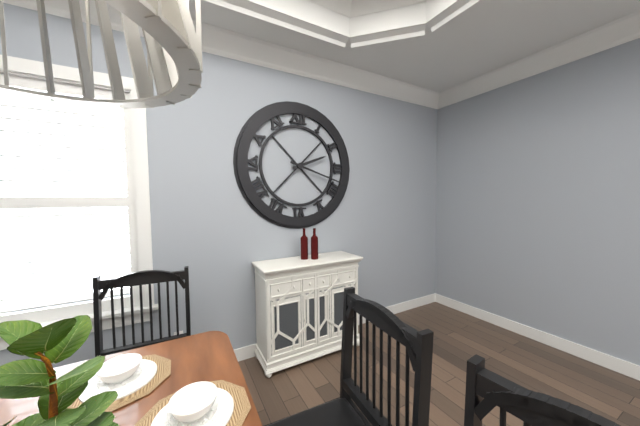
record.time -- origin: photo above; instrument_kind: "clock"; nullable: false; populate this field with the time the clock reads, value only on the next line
2:18
